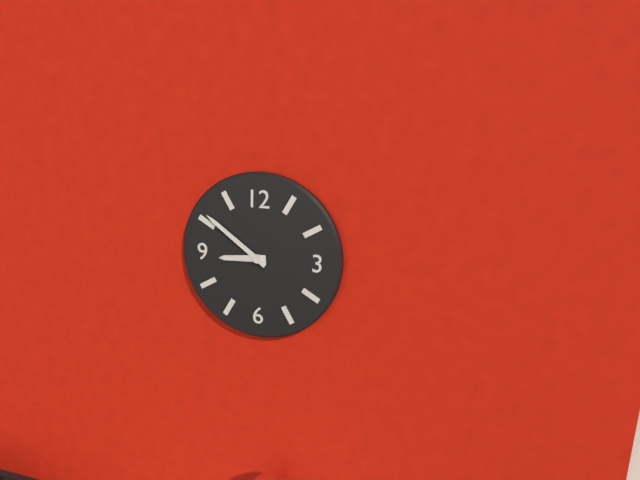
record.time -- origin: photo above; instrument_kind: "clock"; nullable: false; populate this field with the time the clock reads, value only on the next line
8:51
